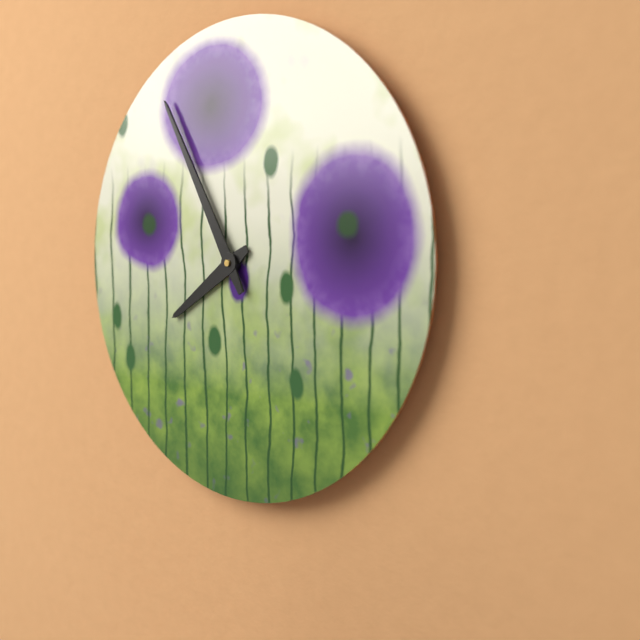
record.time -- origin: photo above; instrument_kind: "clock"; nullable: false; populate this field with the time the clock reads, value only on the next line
7:55
